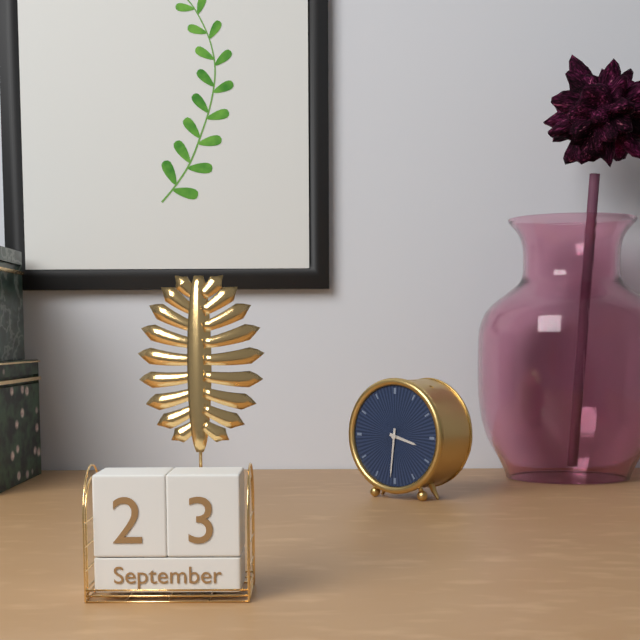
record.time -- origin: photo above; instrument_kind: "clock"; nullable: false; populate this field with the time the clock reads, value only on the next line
3:31
